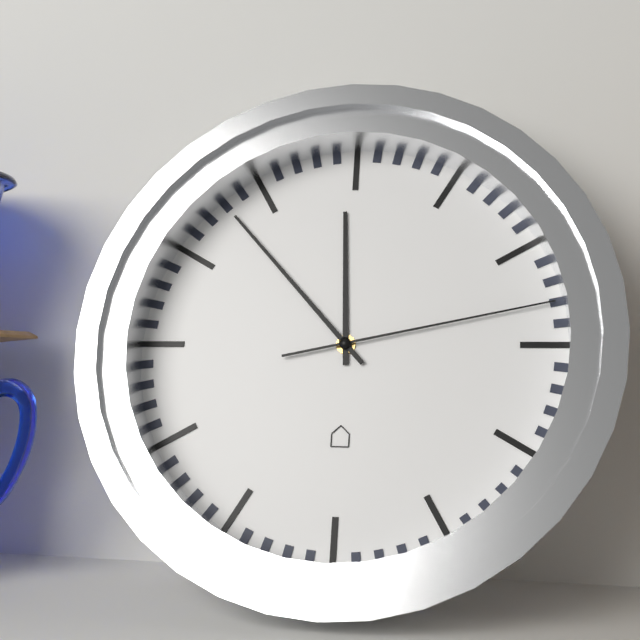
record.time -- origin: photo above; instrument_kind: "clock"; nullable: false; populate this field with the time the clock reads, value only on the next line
11:53:13
